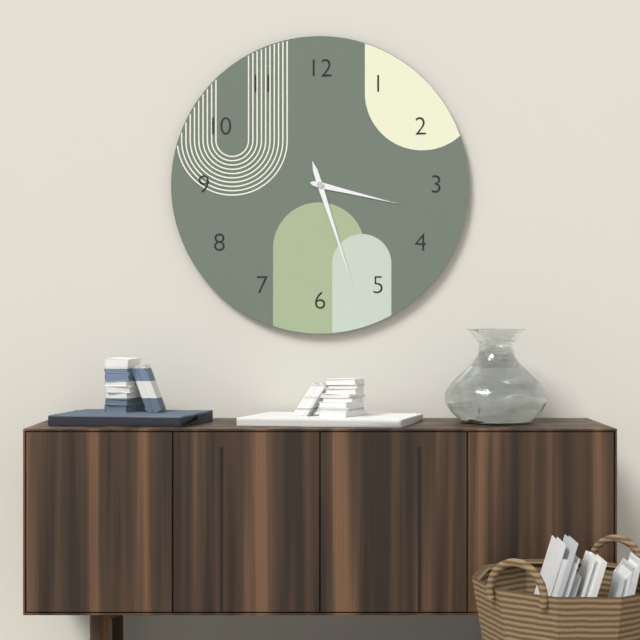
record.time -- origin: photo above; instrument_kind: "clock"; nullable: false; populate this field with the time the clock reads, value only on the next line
3:27
